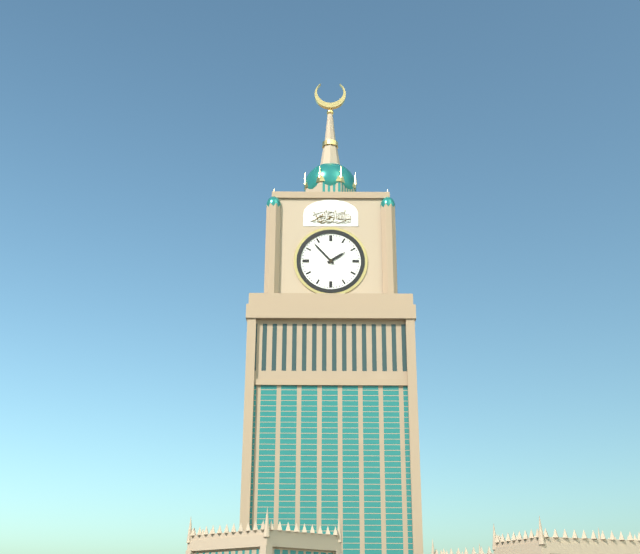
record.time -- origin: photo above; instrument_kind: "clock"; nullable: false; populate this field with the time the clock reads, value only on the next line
1:53
